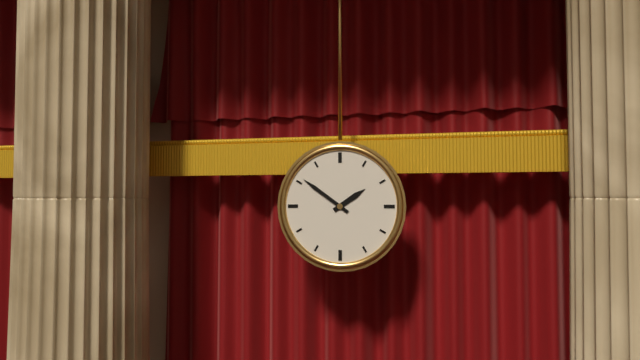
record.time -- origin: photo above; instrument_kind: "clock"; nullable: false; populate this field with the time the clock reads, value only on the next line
1:51
